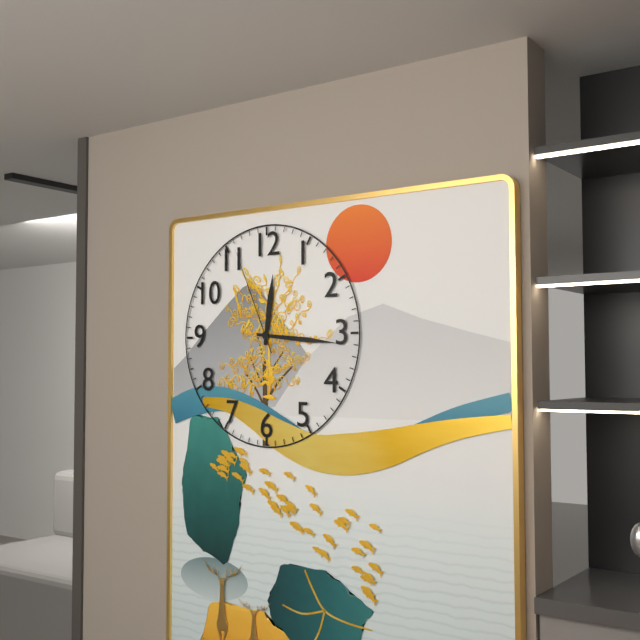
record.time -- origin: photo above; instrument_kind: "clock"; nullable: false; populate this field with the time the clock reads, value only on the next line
12:16:56
